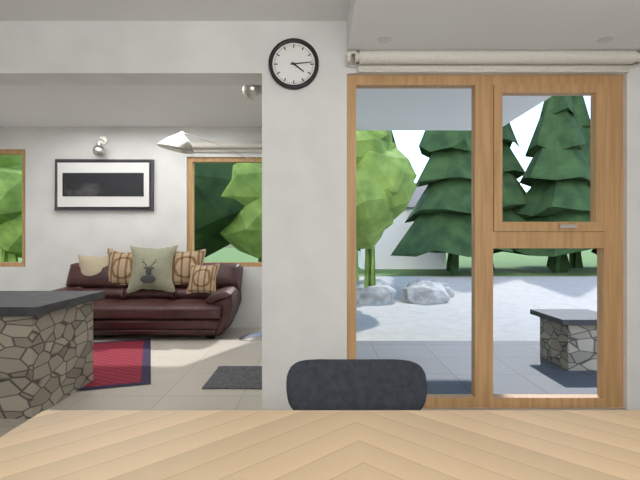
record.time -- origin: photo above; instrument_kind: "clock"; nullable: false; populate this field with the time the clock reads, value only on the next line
4:14
